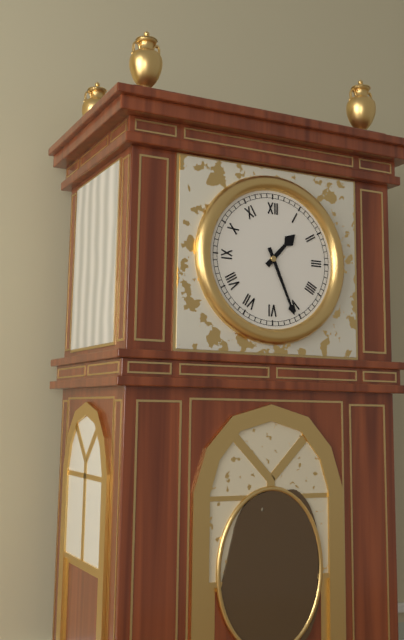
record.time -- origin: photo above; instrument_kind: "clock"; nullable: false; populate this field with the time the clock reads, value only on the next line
1:26
